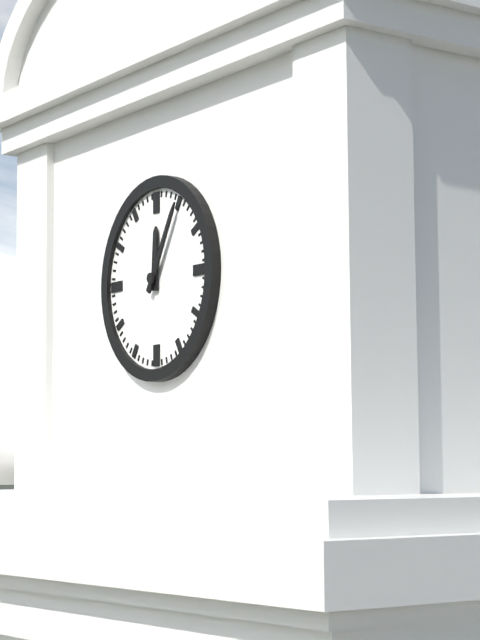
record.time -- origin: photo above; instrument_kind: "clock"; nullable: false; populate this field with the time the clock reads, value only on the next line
12:05
